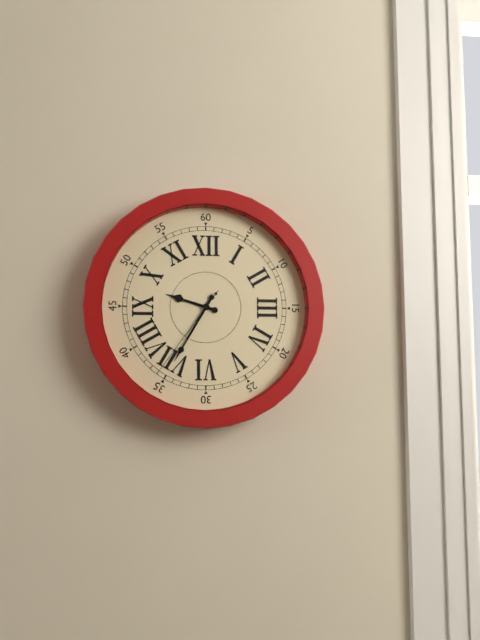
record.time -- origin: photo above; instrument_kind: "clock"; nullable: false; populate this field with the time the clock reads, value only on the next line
9:35:36
